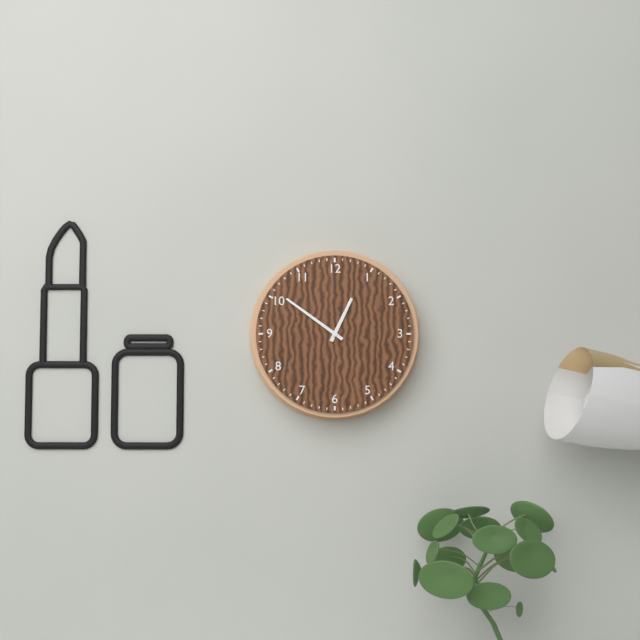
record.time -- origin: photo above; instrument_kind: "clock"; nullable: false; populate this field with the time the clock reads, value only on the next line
12:51
